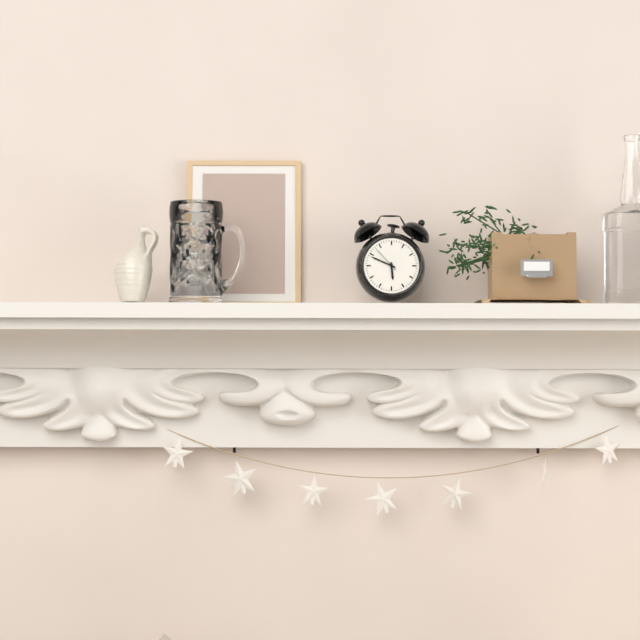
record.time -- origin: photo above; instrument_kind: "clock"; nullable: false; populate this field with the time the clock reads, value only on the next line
5:49
